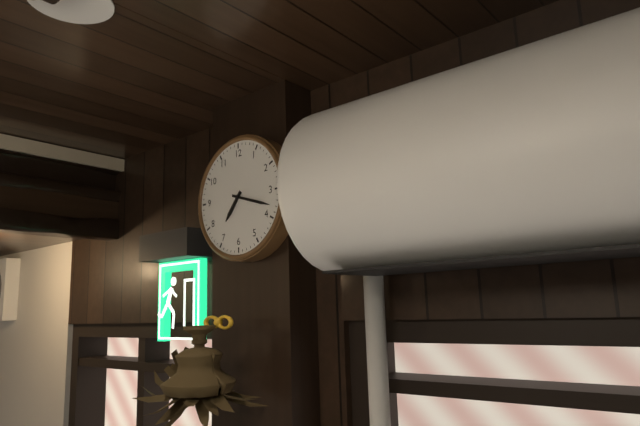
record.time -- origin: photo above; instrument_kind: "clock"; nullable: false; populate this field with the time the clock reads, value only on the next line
7:18
